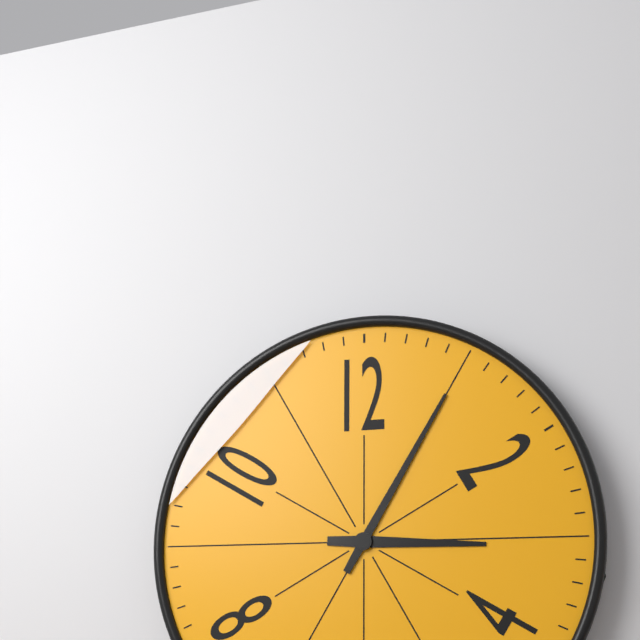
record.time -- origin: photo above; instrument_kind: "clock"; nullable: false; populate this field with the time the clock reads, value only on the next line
3:05
